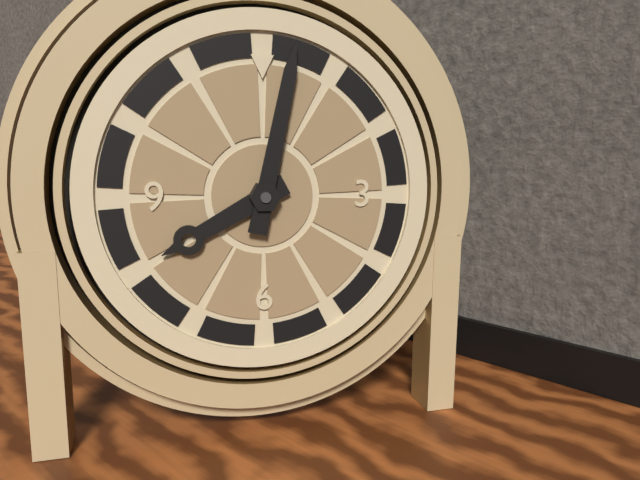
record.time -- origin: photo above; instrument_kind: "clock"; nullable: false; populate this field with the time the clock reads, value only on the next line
8:02
